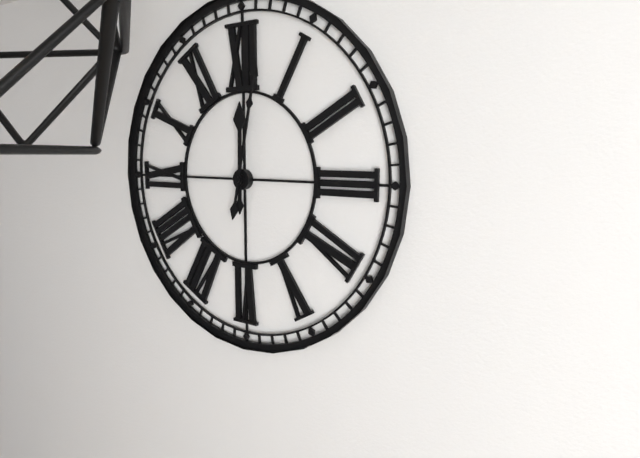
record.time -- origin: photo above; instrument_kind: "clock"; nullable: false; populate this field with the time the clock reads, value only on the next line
12:02
